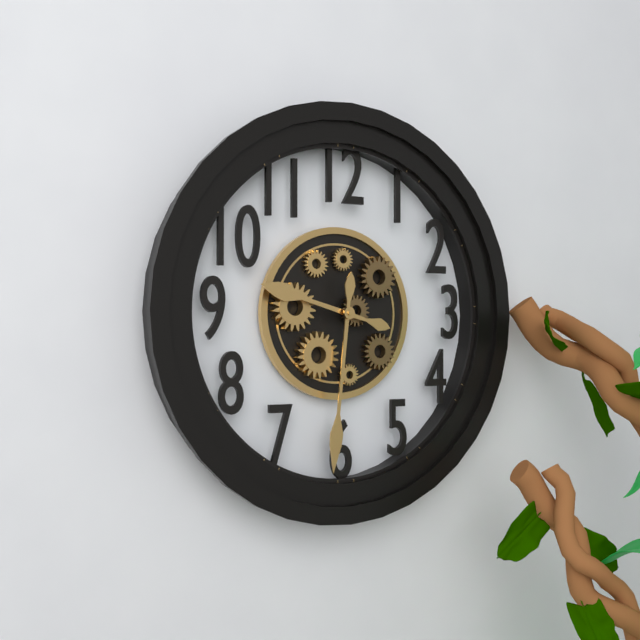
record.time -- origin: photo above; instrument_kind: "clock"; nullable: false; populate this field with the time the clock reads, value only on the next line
9:31
